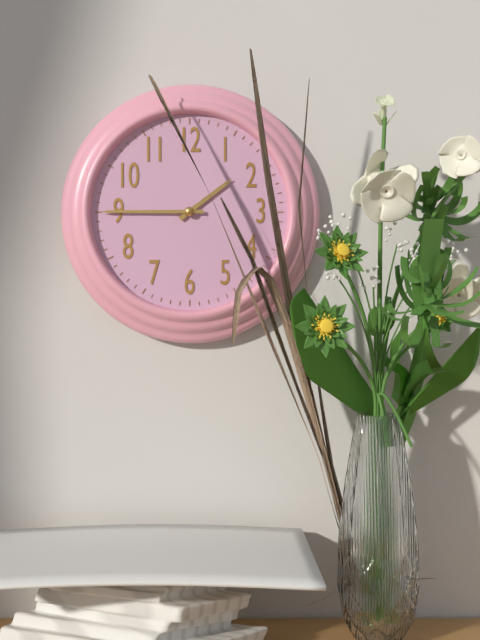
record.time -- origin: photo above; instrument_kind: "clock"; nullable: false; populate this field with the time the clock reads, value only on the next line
1:45
